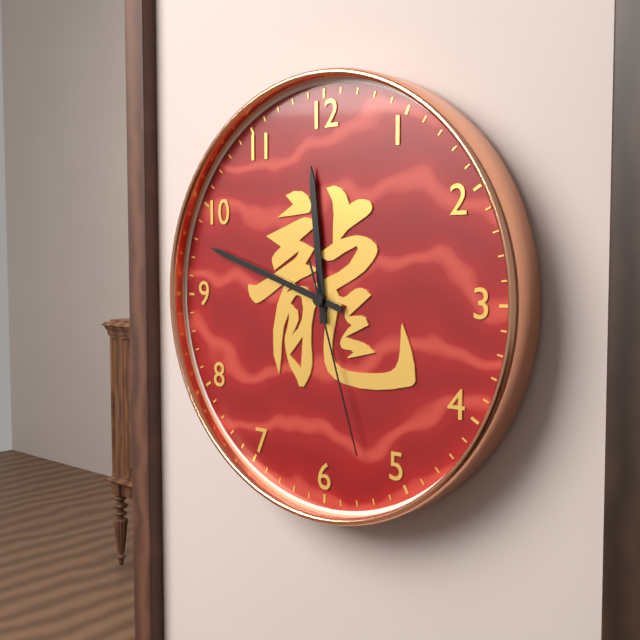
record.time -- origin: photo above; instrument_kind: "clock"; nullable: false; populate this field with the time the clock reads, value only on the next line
11:48:27
